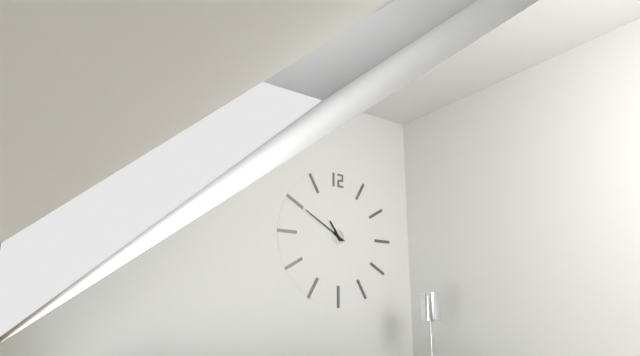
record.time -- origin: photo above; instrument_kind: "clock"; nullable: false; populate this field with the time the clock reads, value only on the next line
10:50
